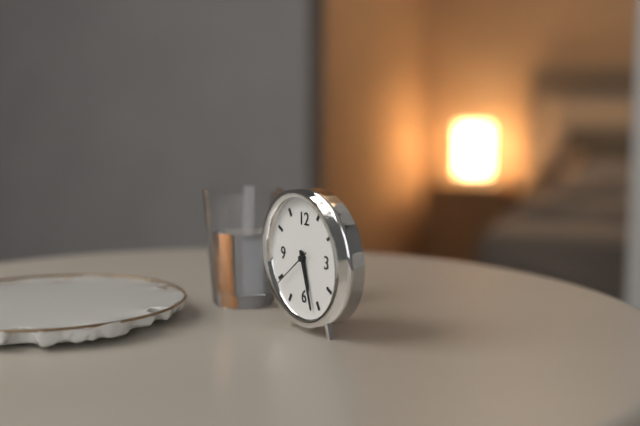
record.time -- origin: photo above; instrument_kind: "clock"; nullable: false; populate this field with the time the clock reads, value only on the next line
5:27
